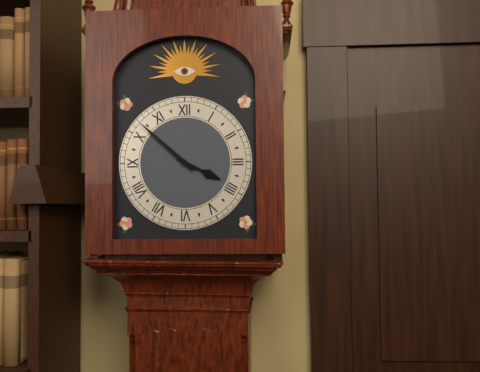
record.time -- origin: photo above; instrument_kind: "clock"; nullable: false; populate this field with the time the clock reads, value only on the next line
3:52
